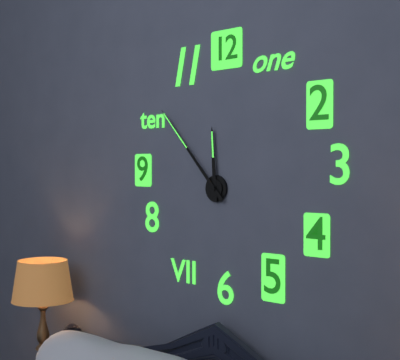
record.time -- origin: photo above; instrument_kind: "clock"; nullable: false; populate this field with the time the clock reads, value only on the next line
11:53
